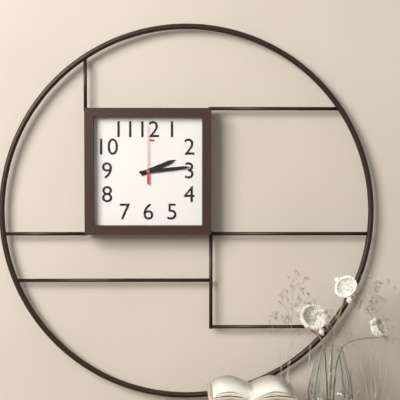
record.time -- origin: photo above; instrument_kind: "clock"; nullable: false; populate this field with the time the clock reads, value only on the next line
2:14:00
